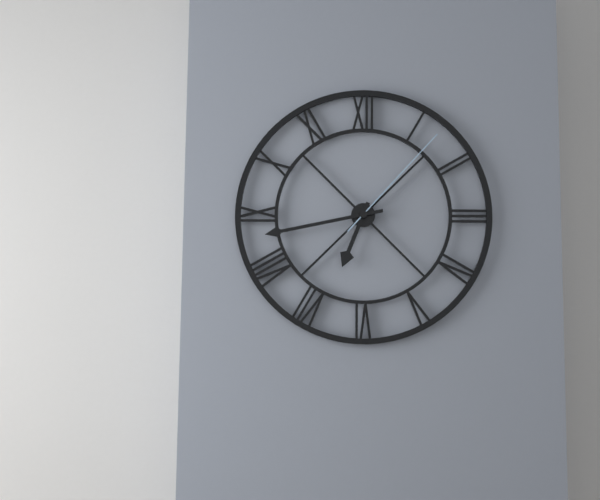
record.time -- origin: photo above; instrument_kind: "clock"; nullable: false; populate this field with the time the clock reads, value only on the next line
6:43:07
